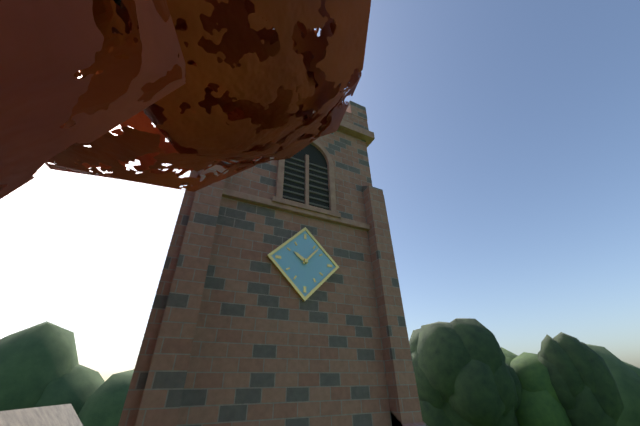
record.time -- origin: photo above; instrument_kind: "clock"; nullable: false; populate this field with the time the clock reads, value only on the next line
10:07
